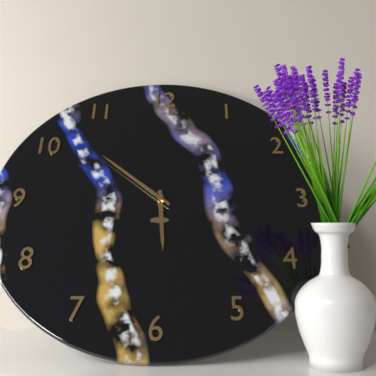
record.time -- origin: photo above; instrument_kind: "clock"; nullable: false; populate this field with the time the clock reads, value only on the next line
5:52
